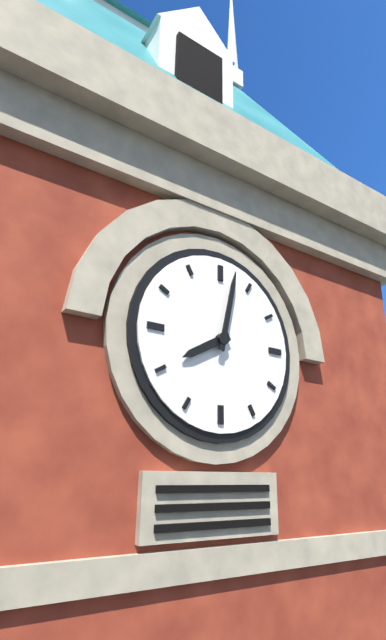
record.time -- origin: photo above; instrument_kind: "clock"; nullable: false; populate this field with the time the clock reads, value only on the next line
8:02
